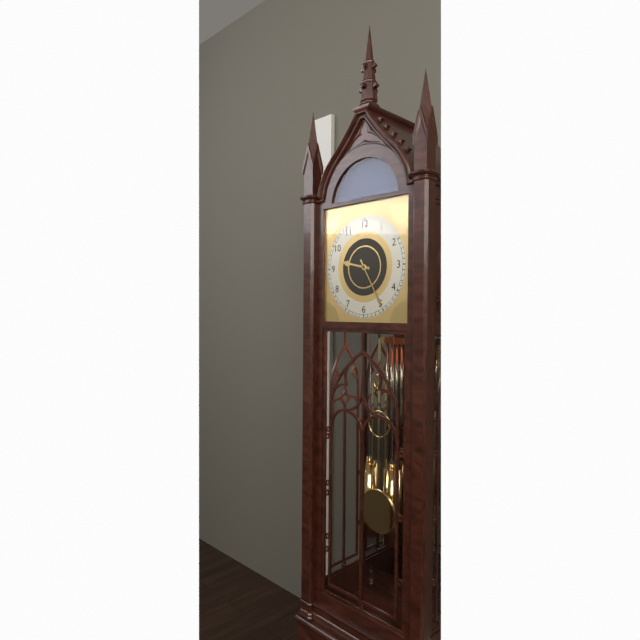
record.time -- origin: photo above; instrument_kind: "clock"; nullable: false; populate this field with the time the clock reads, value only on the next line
9:25
